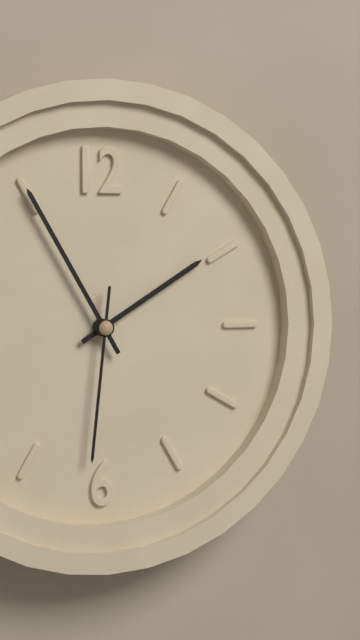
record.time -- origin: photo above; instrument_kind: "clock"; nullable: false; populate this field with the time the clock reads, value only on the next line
1:55:31
